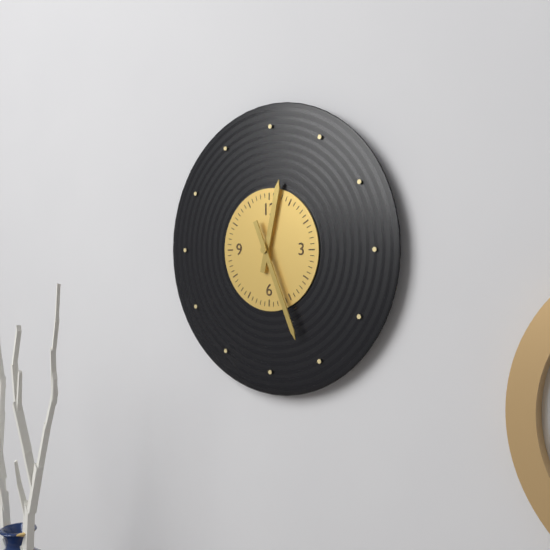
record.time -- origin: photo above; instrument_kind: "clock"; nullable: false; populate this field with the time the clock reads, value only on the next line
12:26
